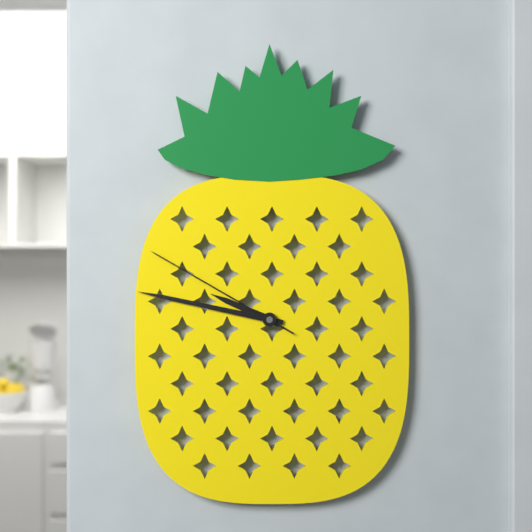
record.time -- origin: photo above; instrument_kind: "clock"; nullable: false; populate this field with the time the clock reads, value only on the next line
9:47:50
